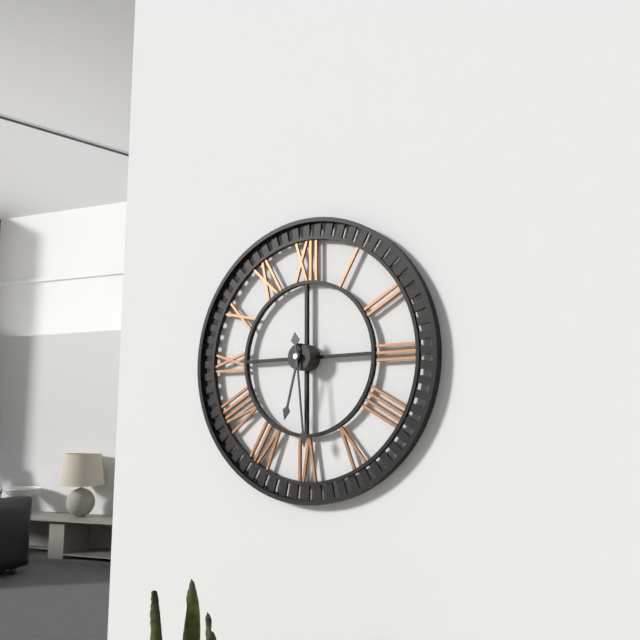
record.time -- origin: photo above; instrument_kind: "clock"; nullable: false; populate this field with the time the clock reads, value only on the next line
6:29
